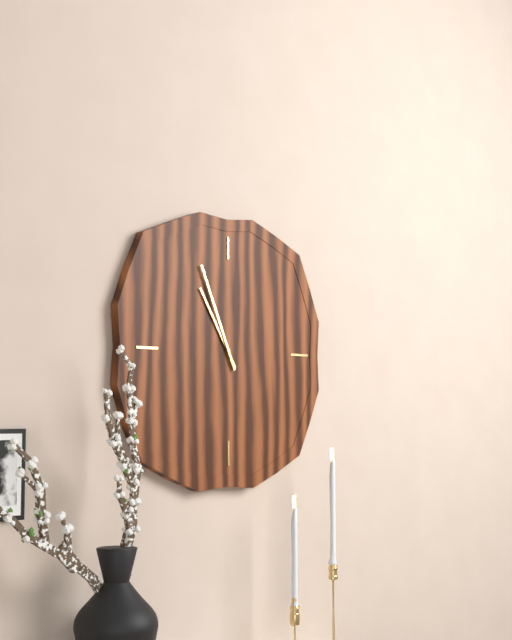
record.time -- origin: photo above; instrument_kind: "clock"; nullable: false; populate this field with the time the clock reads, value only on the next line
10:56
